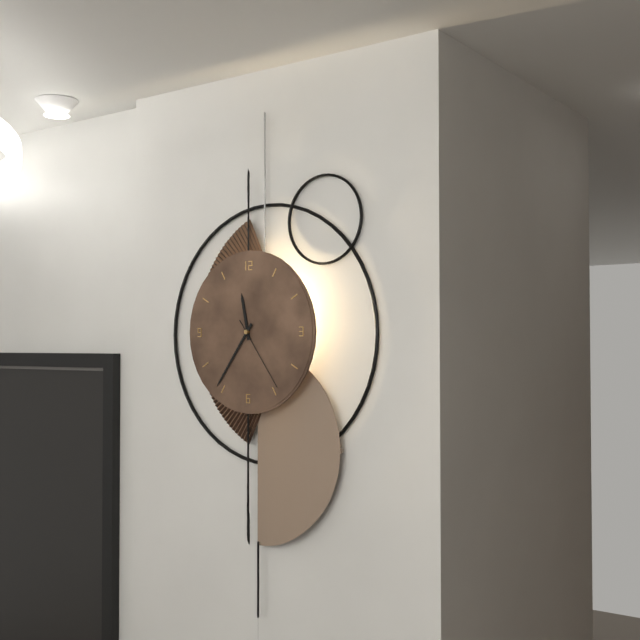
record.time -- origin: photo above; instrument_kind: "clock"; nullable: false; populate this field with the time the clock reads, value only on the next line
11:36:24
